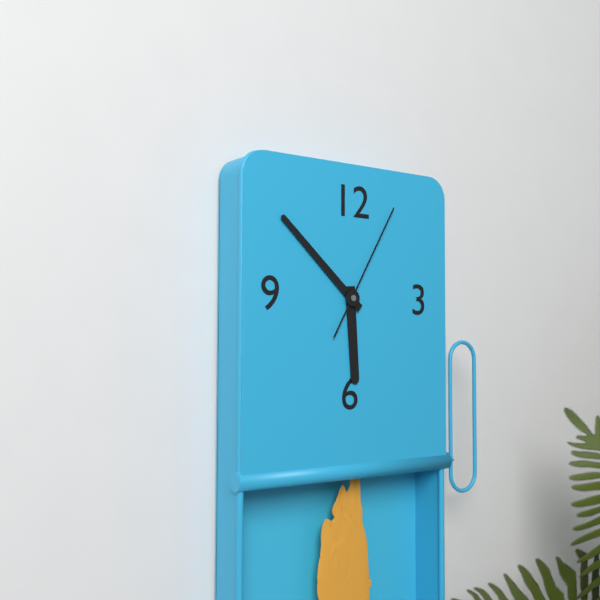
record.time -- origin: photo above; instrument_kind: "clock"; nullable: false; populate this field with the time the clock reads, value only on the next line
5:52:05
